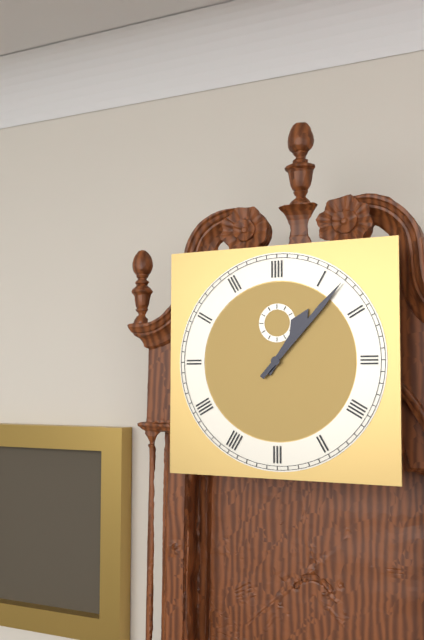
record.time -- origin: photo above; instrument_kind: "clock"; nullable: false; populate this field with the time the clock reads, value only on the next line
1:07
